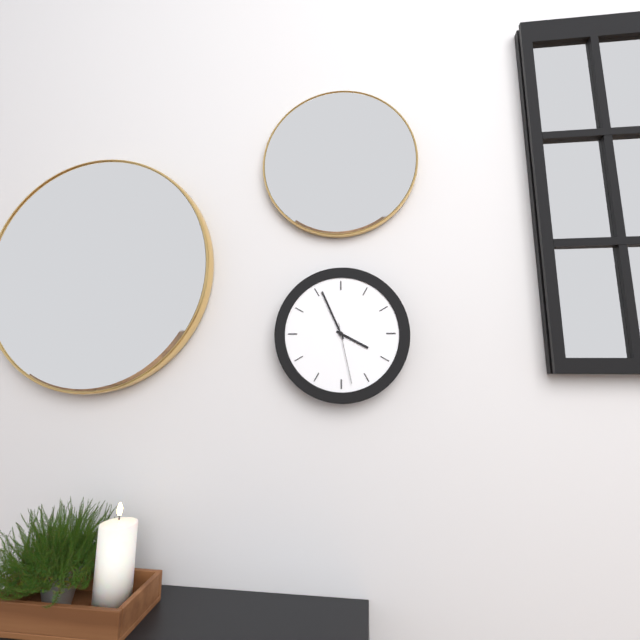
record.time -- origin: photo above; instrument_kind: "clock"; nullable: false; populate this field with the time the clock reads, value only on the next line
3:56:28
